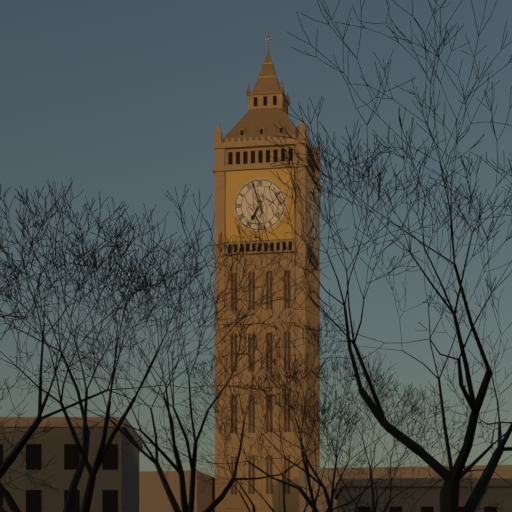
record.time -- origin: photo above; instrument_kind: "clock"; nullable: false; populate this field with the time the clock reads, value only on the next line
6:57
